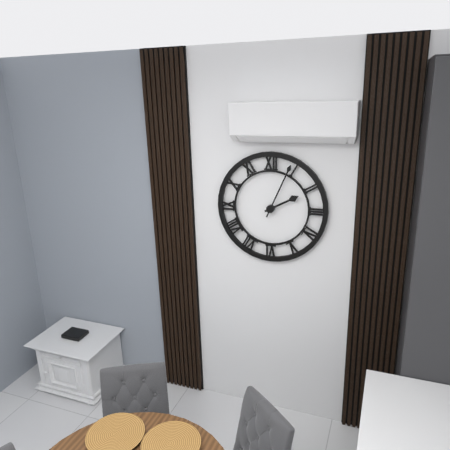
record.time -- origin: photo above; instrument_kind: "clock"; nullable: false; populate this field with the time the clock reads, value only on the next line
2:04
